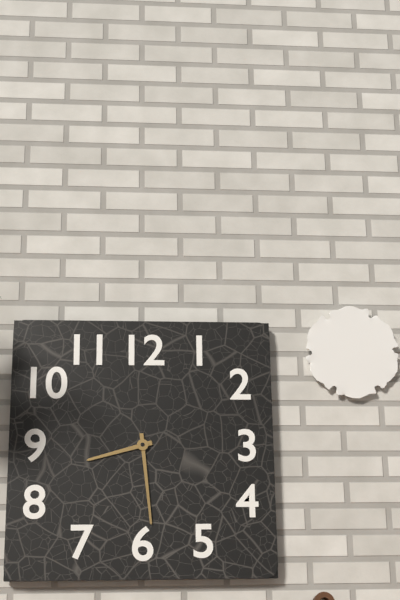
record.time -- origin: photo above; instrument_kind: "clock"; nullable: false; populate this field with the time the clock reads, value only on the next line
8:29
